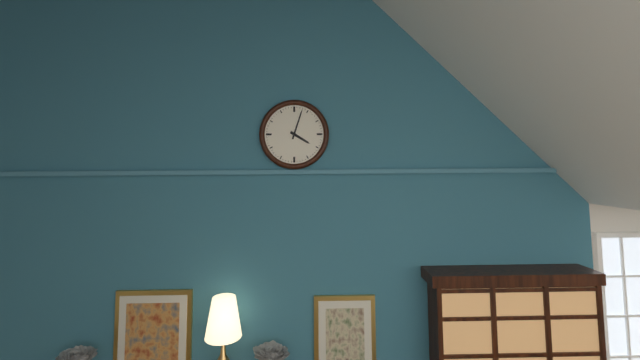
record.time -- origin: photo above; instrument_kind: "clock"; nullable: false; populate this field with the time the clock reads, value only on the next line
4:03
